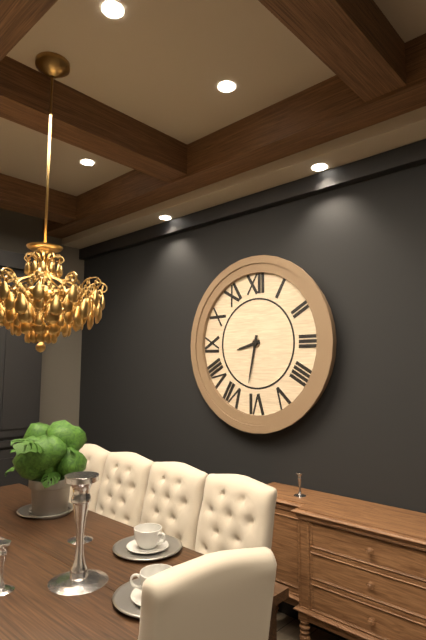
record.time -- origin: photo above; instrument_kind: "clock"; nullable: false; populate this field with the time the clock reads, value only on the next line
8:32
